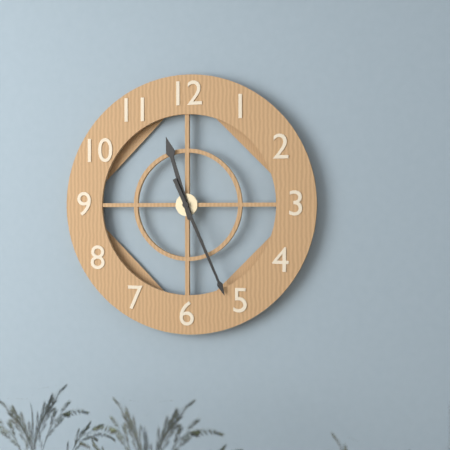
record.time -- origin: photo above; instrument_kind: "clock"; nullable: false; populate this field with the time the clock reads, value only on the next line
11:26
